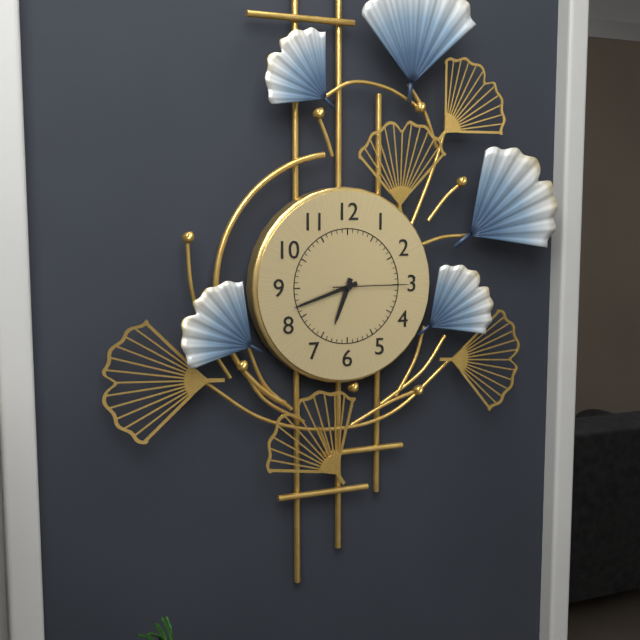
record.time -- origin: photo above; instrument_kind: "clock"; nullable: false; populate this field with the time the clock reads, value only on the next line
6:42:15
